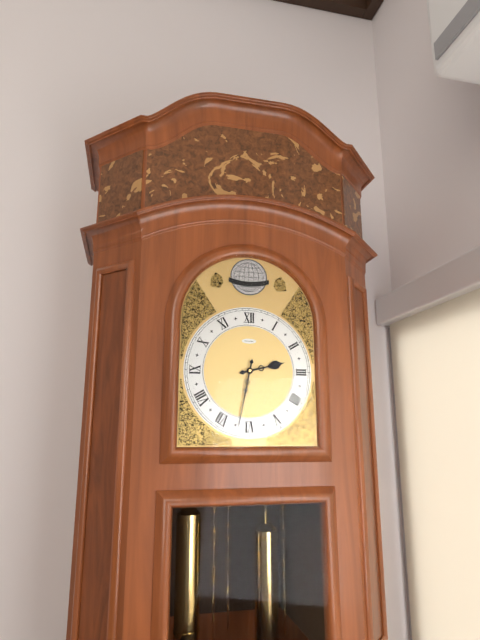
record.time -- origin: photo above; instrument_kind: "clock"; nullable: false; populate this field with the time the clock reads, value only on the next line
2:32
